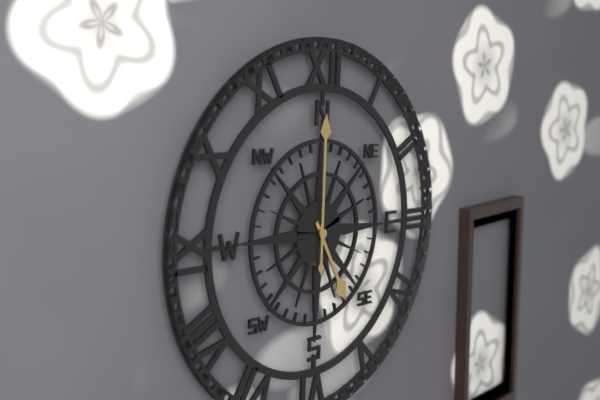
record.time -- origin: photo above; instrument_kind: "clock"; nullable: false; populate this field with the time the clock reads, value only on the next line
5:00
